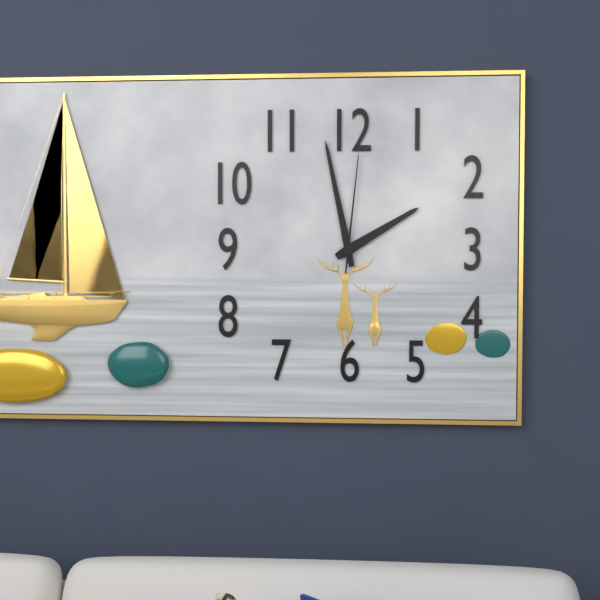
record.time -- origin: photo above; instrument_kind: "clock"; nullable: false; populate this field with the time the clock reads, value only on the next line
1:58:01
